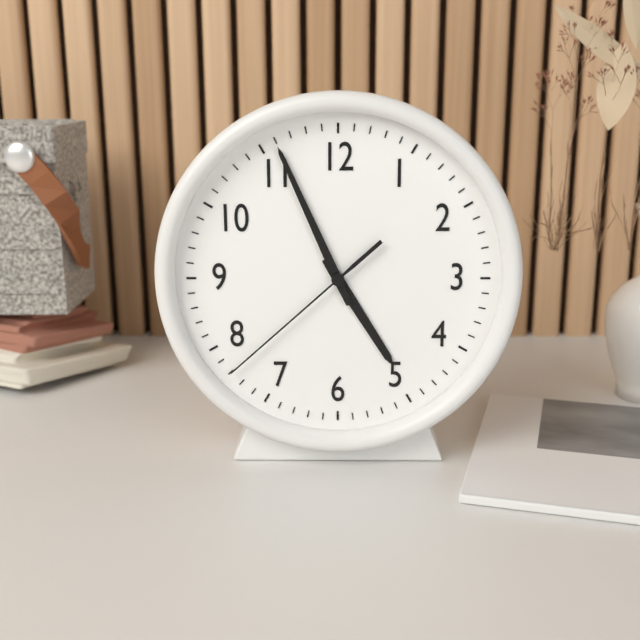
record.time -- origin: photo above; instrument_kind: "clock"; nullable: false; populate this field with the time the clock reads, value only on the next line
4:56:38
